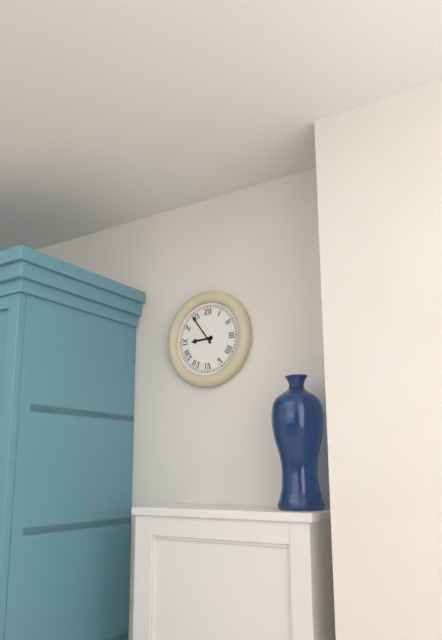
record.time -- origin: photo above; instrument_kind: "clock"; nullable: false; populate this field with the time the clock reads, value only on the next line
8:54
